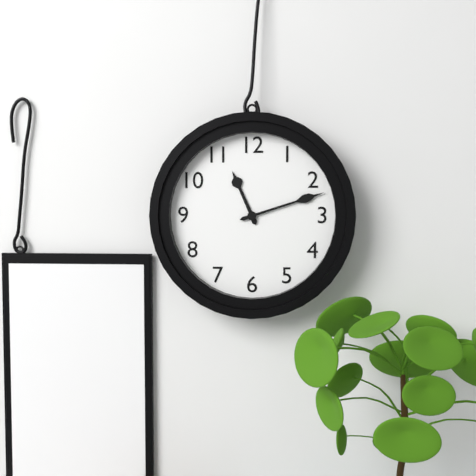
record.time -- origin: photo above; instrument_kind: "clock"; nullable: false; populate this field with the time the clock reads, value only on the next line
11:12
